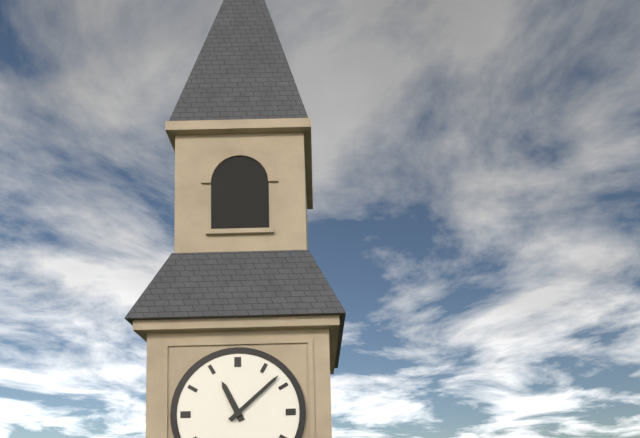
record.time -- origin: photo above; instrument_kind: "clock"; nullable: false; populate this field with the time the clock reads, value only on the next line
11:08
